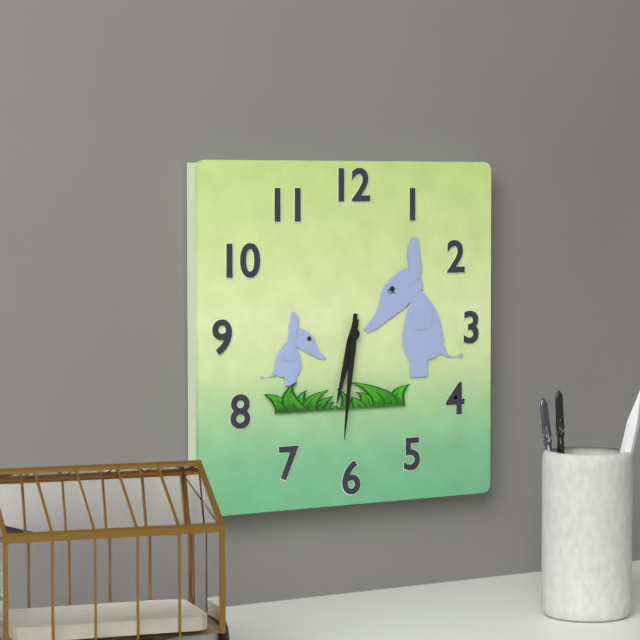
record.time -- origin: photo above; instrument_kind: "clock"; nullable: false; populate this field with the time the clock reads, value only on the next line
6:31
